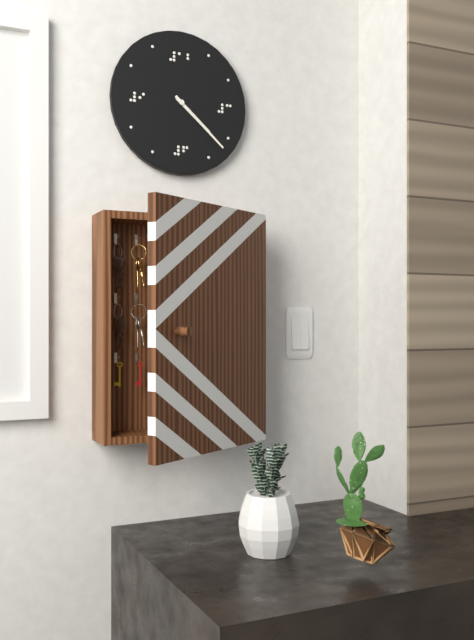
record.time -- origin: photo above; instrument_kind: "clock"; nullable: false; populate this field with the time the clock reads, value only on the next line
4:22
